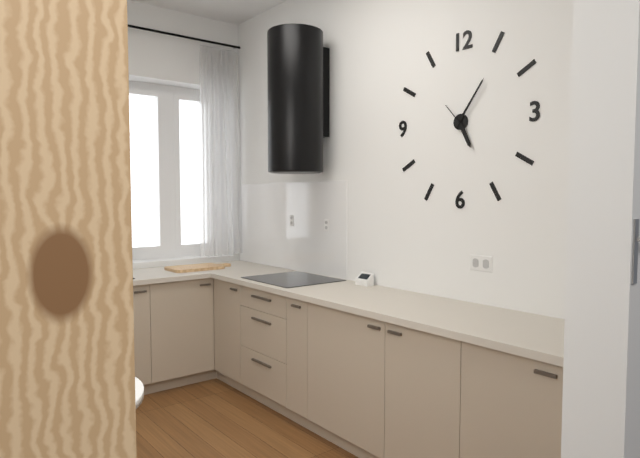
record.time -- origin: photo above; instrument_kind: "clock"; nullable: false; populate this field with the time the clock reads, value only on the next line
5:06
